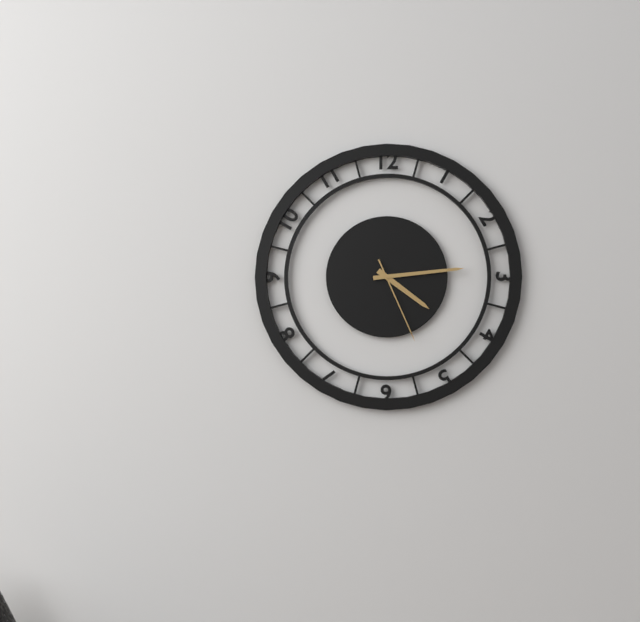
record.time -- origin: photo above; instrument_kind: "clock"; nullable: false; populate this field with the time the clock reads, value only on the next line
4:14:26
